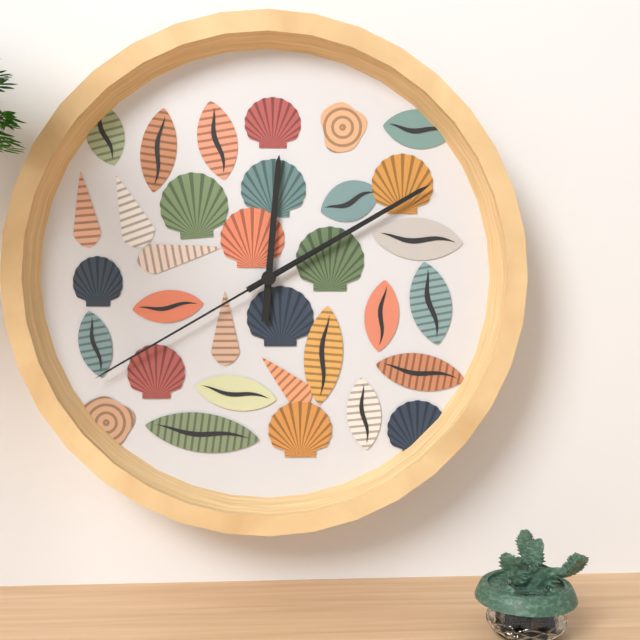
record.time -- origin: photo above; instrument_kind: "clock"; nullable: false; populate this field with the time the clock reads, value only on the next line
12:10:40
